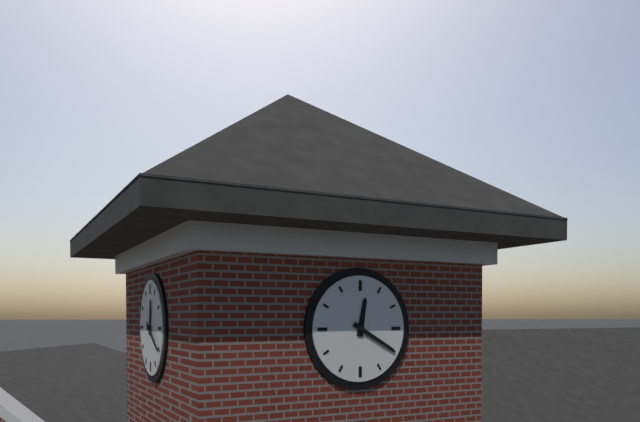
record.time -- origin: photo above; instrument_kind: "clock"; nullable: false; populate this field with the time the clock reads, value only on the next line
12:20
